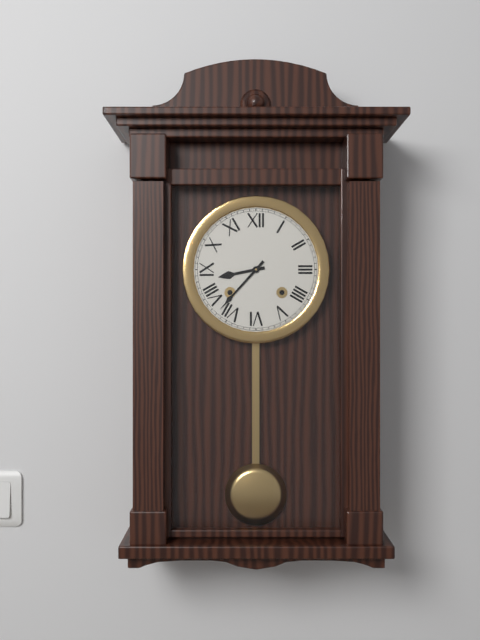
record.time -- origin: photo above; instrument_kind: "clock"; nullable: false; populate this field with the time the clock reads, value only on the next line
8:37
